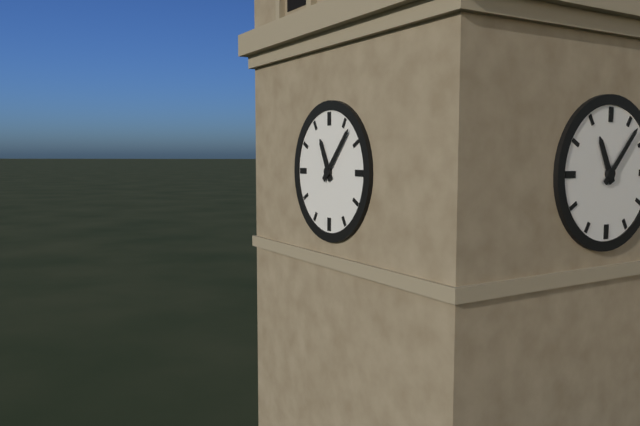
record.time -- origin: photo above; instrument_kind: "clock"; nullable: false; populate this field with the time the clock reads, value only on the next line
11:07
